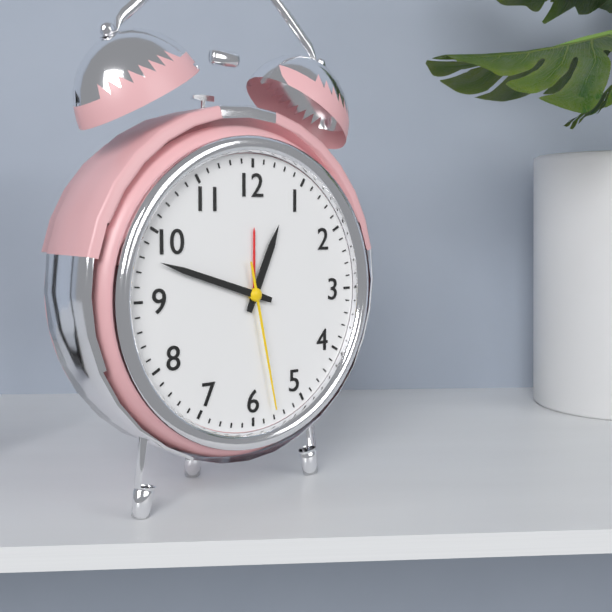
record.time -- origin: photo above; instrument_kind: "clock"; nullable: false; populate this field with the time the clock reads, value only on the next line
12:48:28
